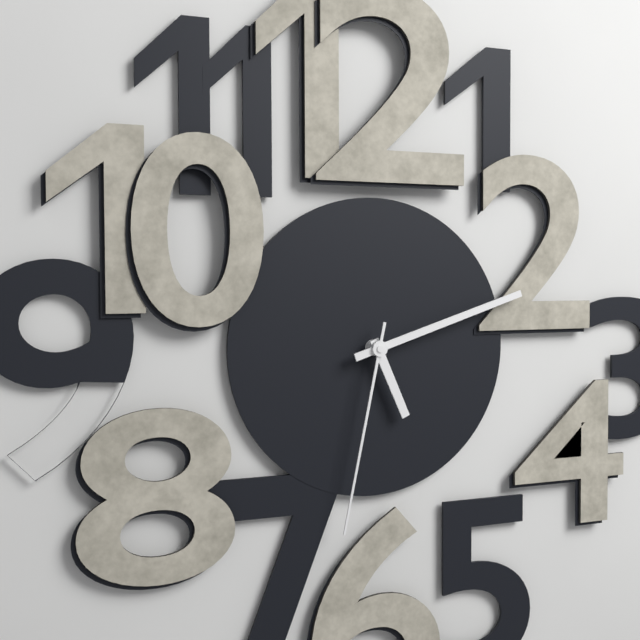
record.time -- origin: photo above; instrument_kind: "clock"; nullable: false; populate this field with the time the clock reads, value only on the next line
5:12:32
